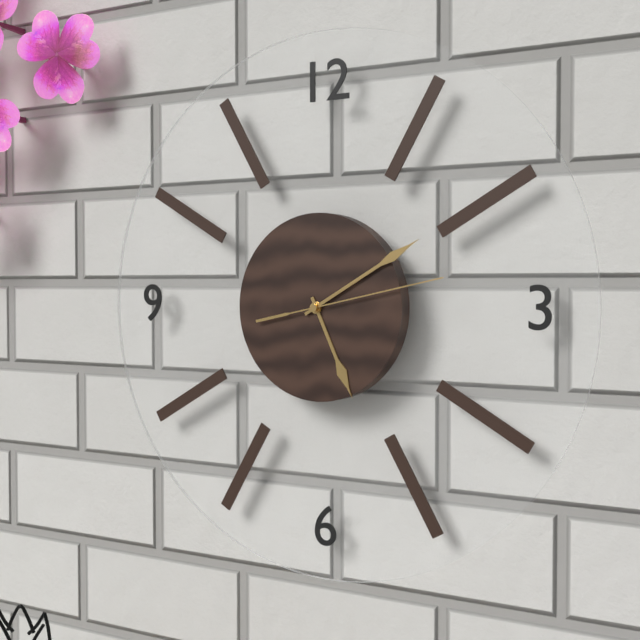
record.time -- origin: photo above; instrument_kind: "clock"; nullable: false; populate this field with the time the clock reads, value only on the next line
5:10:13
